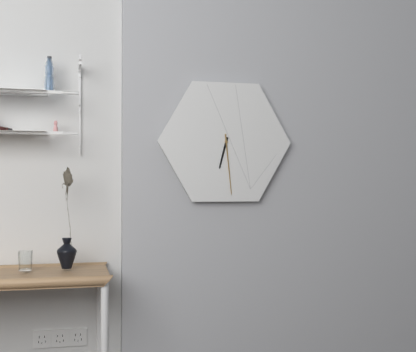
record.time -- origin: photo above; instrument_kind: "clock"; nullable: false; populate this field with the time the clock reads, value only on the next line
6:29
